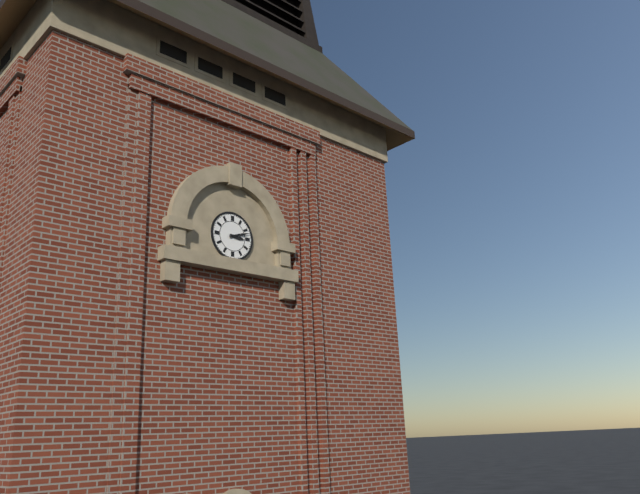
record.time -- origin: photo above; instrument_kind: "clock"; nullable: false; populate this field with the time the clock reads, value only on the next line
3:12
